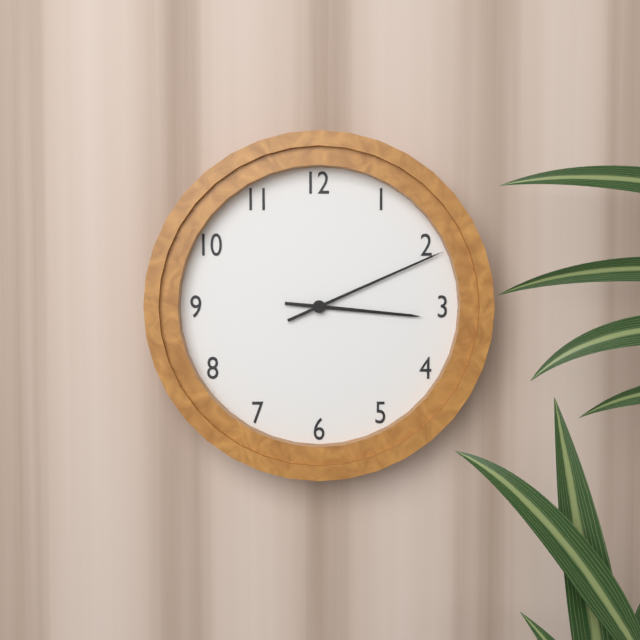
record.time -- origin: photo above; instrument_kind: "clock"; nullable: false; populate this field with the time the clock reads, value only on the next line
3:11
